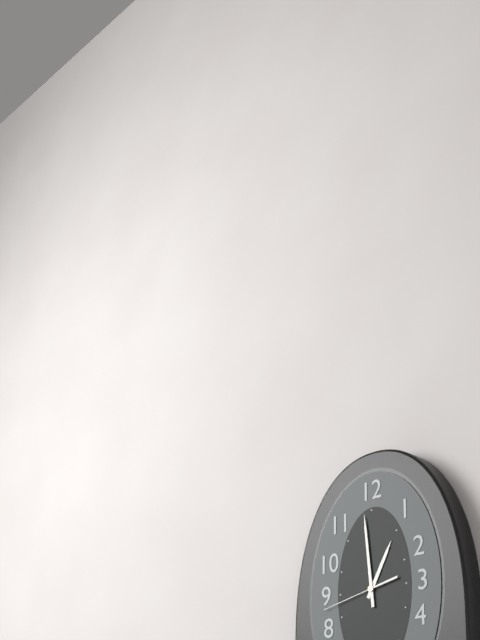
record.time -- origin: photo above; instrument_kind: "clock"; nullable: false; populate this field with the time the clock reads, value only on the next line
12:59:43
